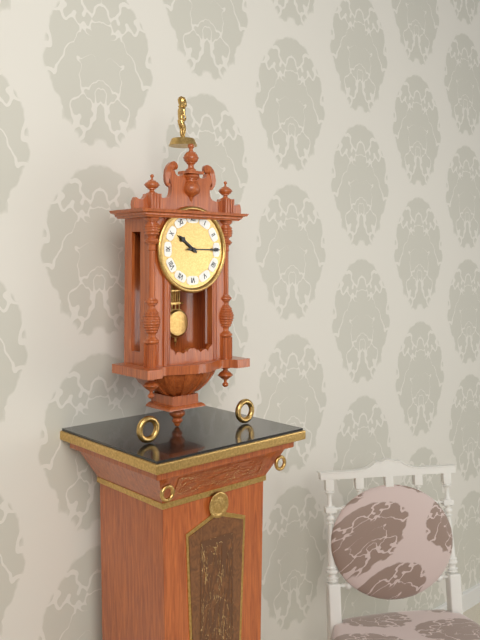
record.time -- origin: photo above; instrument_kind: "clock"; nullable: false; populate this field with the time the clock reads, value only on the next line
10:15
